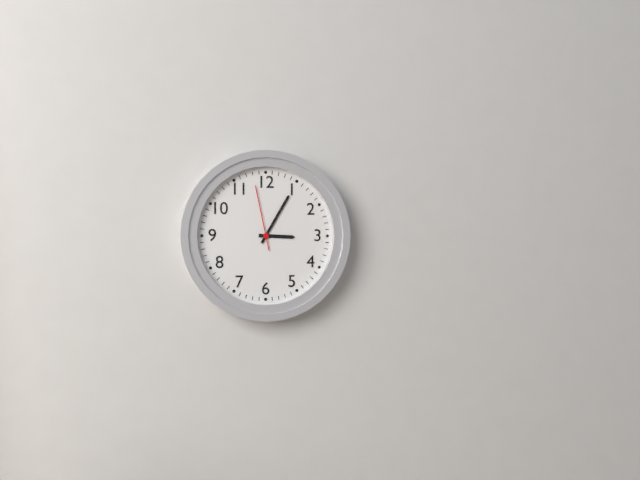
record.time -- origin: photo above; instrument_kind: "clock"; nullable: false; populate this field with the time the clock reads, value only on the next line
3:05:58
